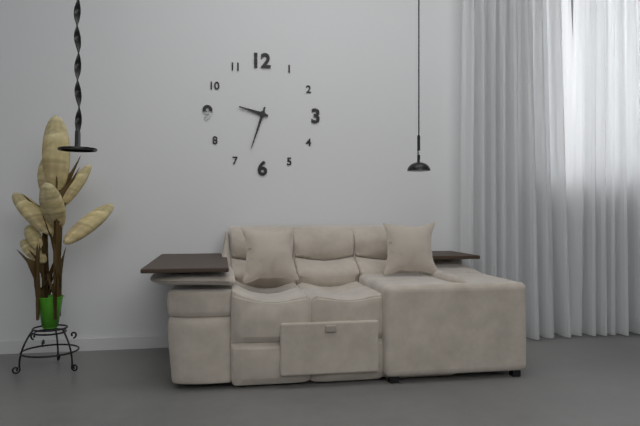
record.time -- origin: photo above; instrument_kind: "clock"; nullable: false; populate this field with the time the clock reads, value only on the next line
9:33
